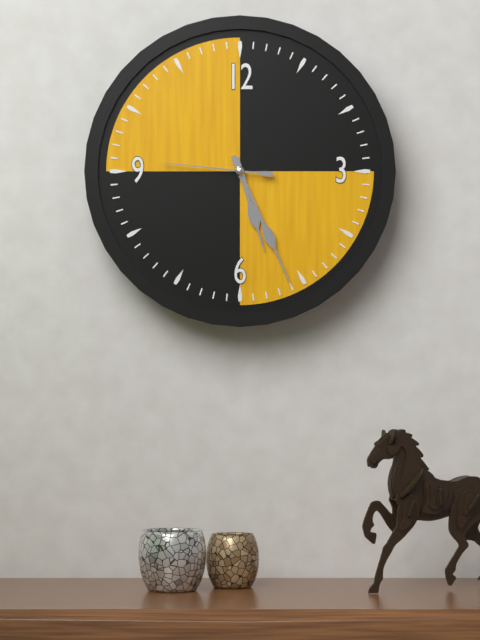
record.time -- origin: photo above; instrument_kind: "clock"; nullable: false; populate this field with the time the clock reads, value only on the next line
5:26:46
